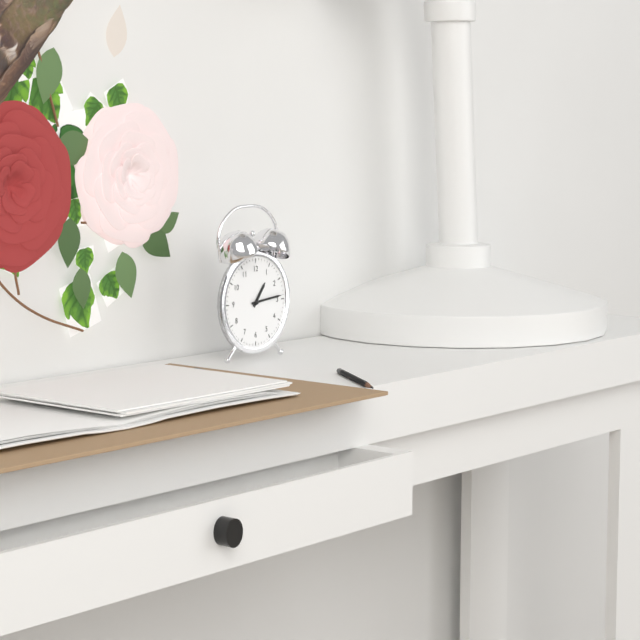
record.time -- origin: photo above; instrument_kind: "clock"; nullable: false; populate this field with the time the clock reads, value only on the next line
1:14
